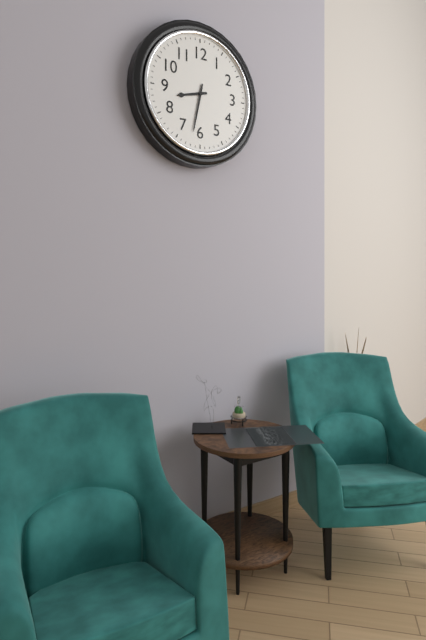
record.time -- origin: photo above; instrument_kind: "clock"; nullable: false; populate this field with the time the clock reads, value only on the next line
8:32
